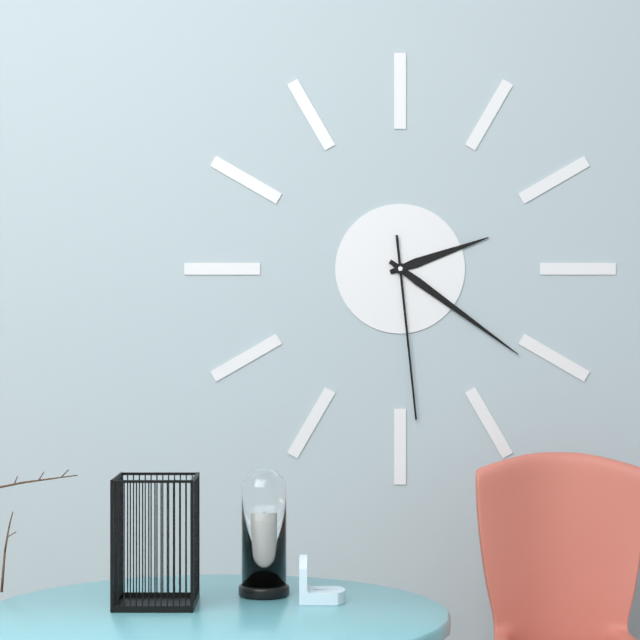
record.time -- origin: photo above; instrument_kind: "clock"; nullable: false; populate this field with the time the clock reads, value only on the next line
2:21:29
